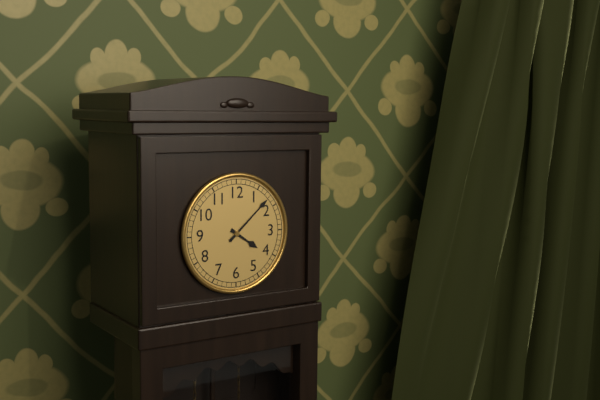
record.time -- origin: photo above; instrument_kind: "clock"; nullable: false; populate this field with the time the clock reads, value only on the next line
4:08
